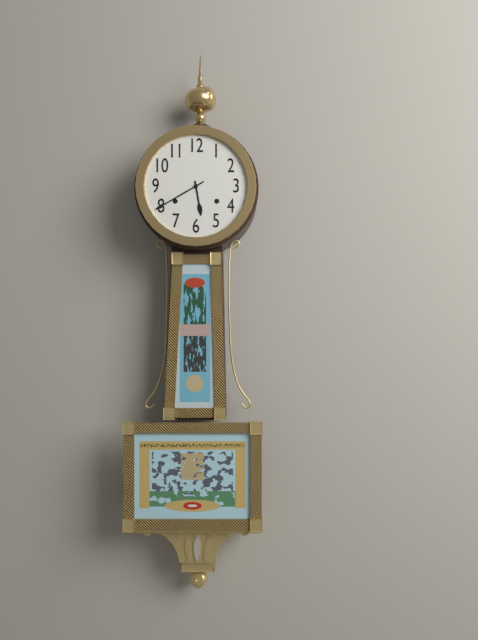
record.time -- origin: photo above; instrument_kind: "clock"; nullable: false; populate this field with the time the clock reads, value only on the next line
5:40
